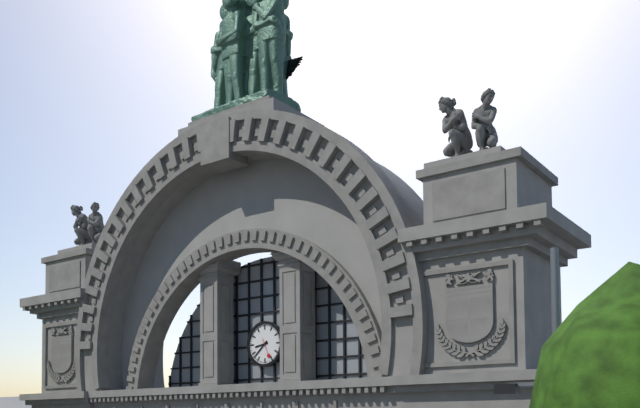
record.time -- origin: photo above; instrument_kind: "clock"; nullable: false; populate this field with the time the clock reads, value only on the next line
8:38
